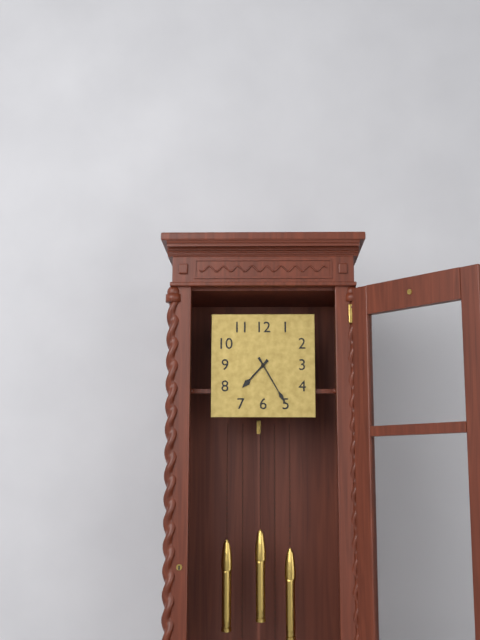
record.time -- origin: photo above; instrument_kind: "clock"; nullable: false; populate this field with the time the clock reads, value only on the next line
7:25
